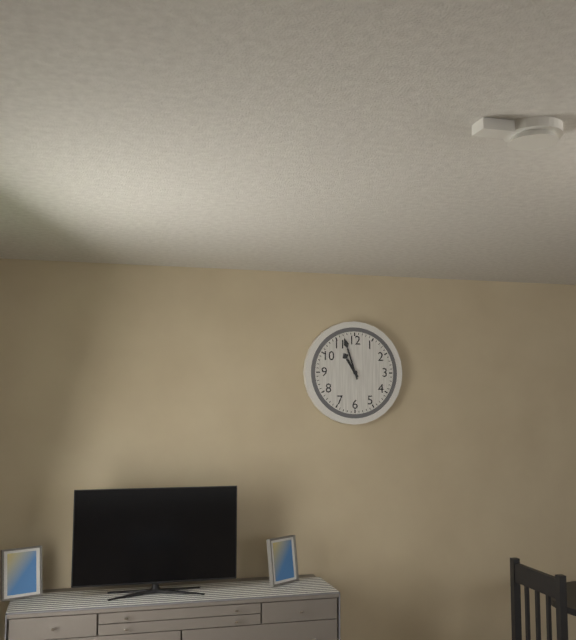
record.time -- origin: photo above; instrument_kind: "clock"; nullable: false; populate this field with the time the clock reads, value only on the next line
10:57
